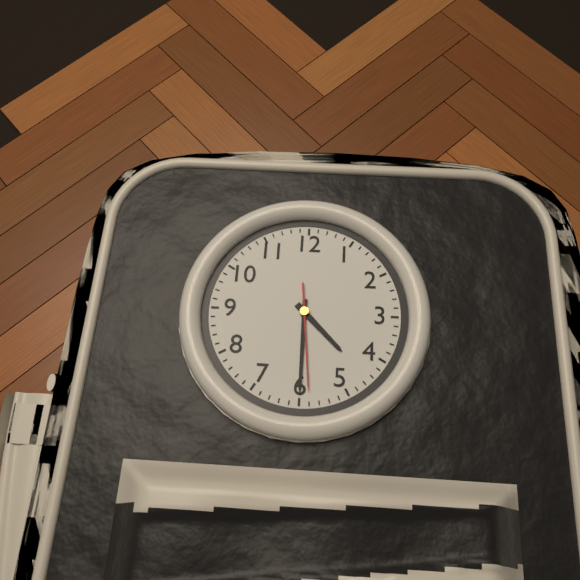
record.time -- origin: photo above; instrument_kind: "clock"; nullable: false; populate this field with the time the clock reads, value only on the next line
4:30:29
